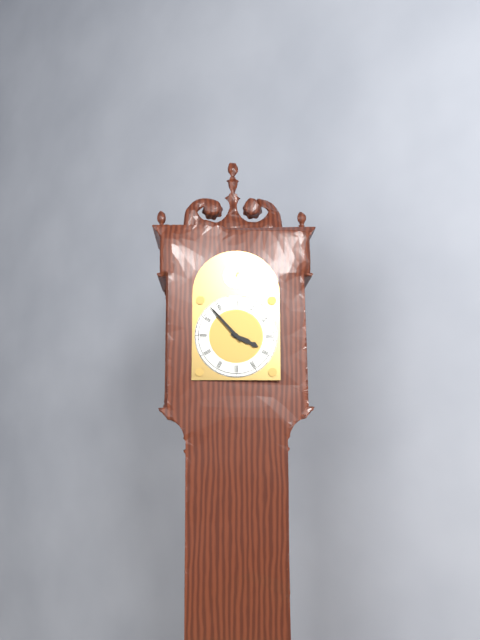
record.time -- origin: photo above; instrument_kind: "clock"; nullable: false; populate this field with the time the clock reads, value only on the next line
3:53
